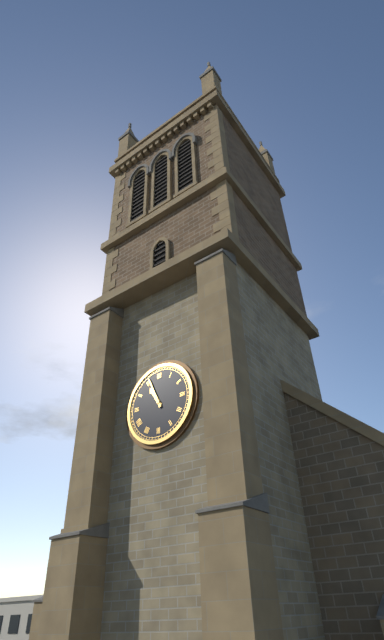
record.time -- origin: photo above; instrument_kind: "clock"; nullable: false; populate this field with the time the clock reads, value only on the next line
10:56
